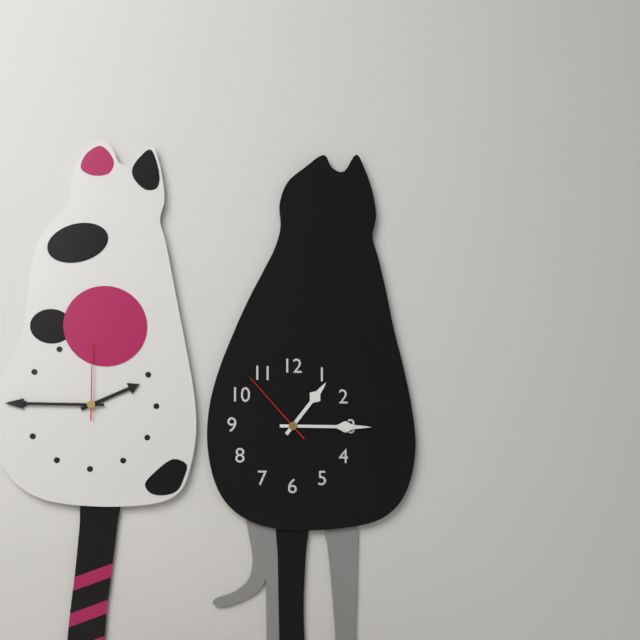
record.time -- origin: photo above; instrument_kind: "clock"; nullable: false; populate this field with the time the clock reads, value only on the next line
1:15:53
